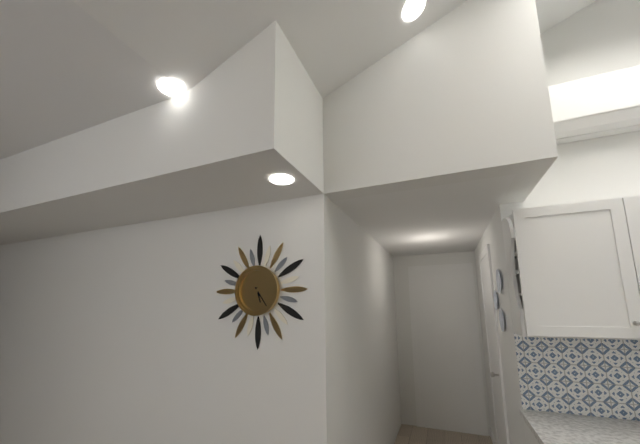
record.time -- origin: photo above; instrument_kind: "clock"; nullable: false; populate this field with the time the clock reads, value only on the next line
5:24
